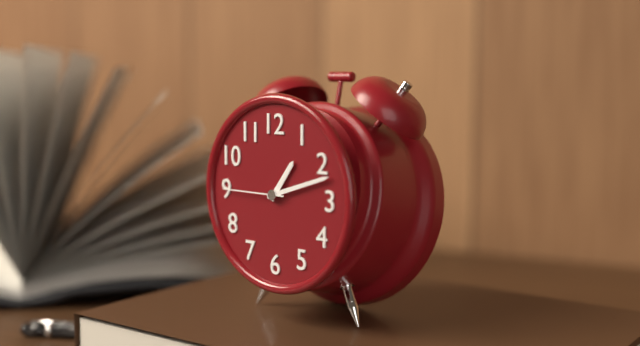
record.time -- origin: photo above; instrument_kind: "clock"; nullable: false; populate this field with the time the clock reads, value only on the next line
1:12:45
